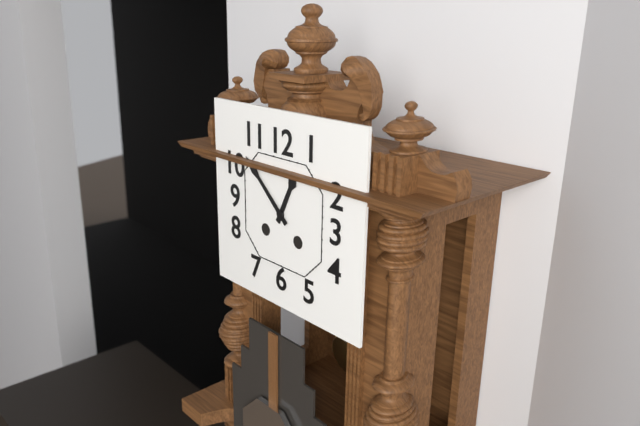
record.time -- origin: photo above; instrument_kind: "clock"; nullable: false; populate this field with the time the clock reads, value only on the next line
12:52
